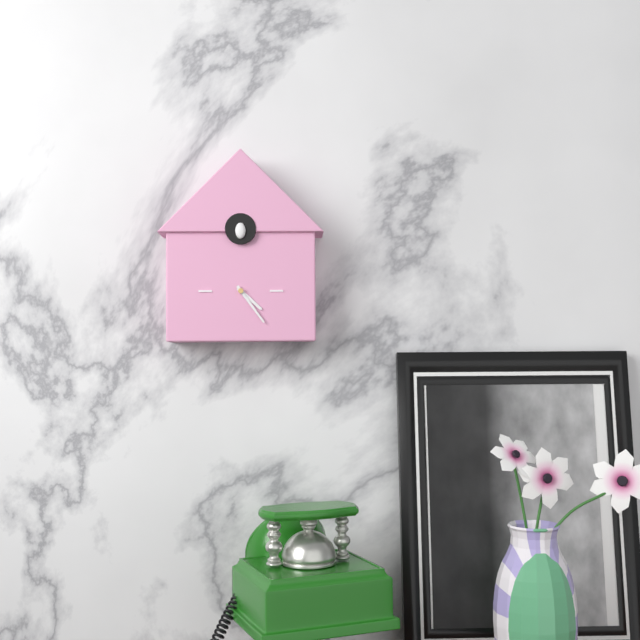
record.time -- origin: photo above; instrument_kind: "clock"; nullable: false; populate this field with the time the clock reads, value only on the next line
4:24
